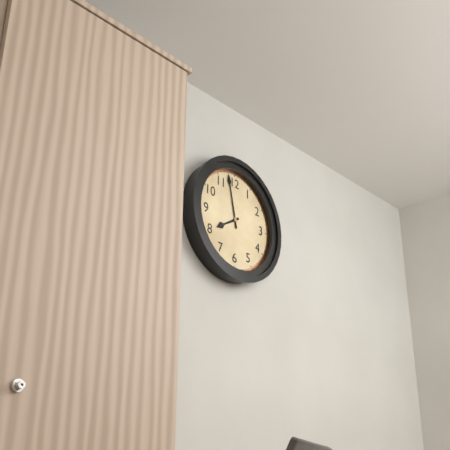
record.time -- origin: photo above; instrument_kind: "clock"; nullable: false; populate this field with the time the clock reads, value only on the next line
7:58
